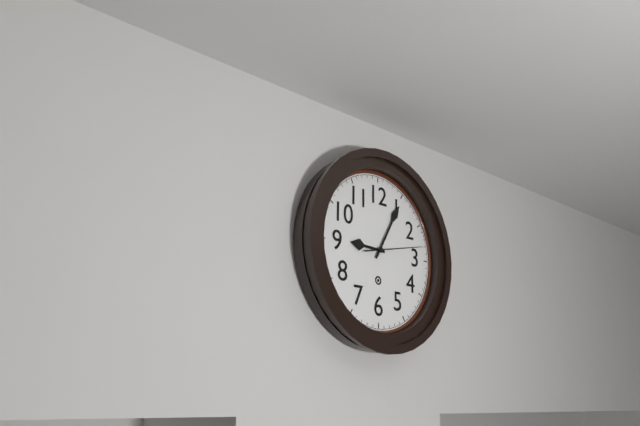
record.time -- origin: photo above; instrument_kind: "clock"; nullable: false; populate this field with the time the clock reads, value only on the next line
9:05:13
